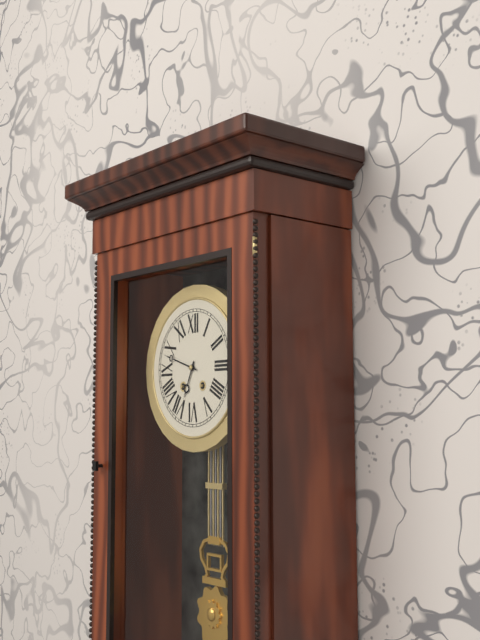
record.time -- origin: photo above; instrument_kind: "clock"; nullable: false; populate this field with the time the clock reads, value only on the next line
6:48
